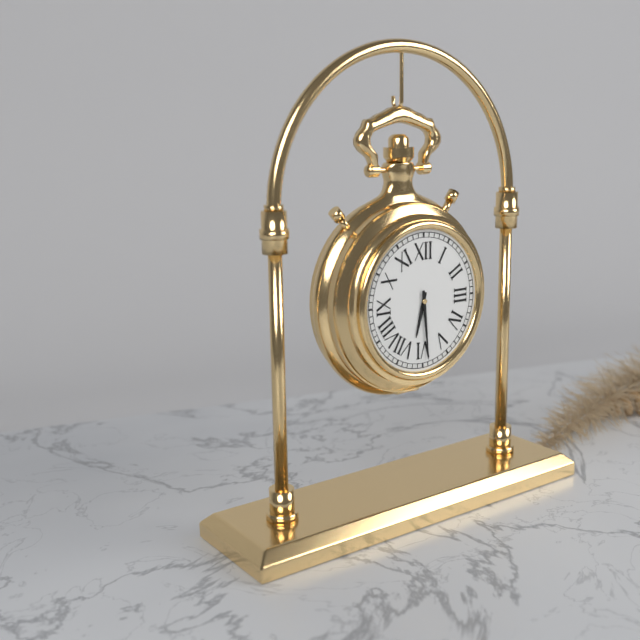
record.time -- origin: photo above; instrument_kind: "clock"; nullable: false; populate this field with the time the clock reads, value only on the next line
6:29
